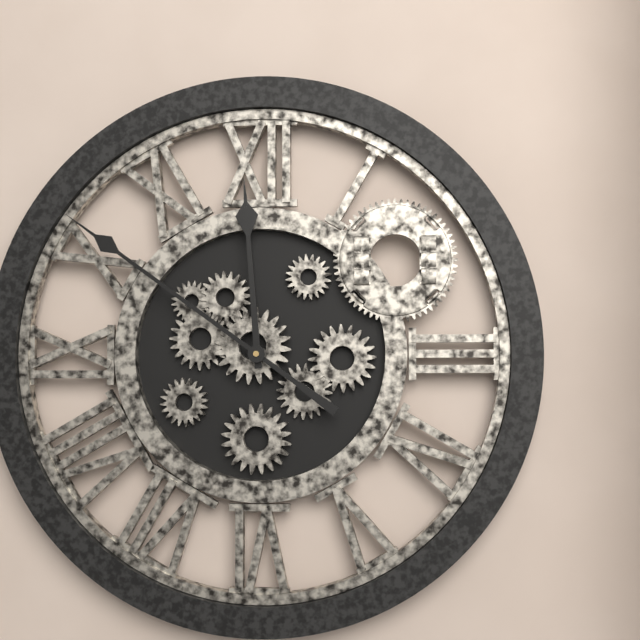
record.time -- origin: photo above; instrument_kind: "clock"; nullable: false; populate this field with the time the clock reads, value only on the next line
11:51
